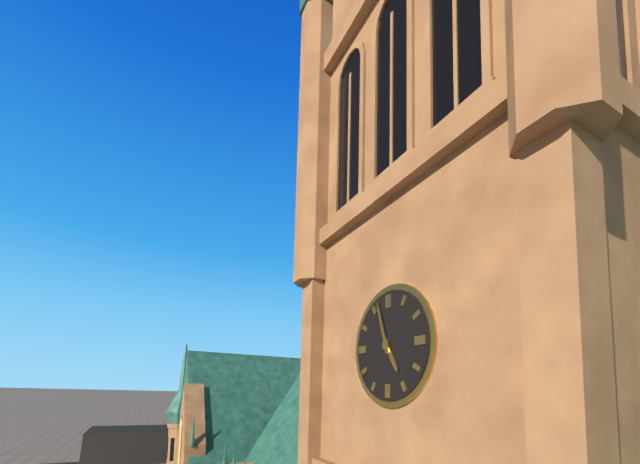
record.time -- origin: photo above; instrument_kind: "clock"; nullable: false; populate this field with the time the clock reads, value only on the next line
4:57
